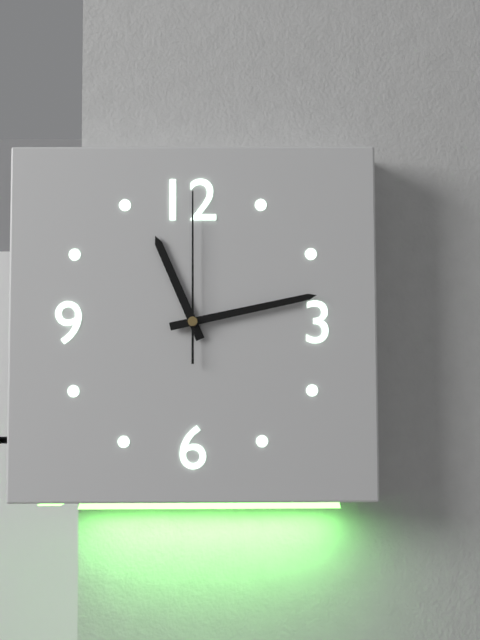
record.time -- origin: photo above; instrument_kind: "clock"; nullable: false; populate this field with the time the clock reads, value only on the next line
11:13:00
